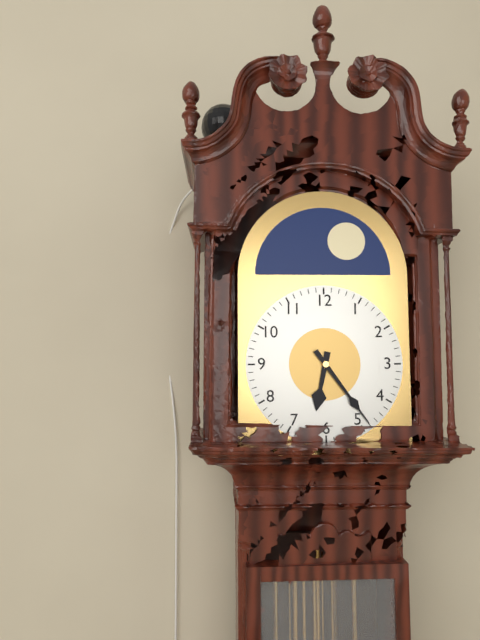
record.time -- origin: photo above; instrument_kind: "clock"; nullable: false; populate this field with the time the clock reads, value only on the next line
6:24
